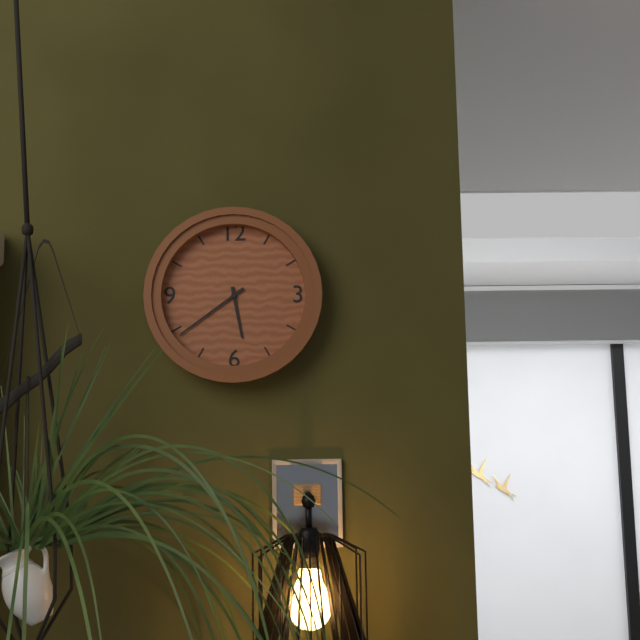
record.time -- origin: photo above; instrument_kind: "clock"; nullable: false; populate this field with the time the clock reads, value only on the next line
5:39
